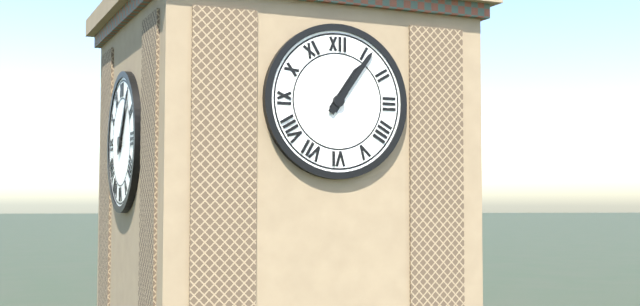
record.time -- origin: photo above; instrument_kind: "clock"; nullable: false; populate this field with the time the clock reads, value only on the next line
1:06
